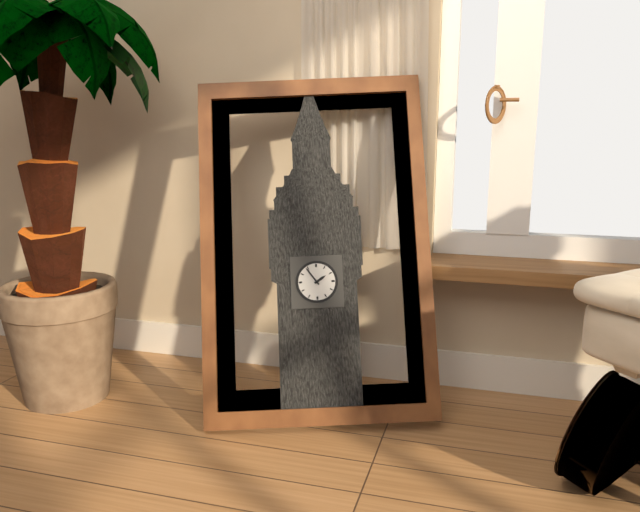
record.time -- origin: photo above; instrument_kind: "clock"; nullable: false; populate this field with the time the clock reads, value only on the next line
1:54
